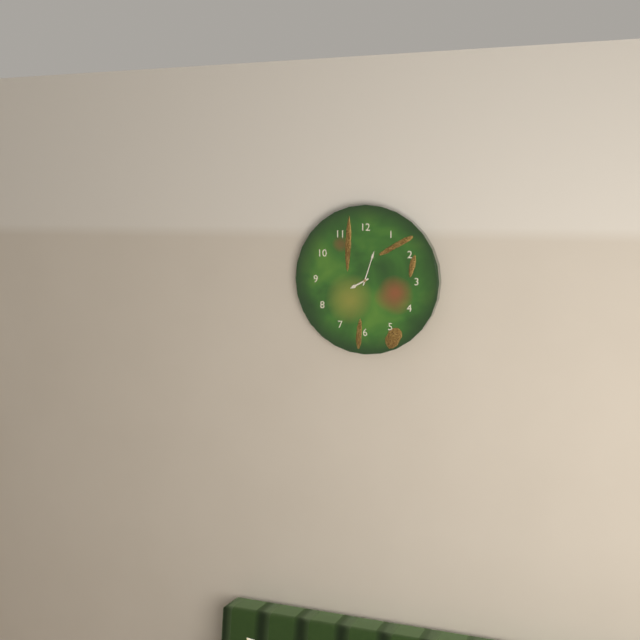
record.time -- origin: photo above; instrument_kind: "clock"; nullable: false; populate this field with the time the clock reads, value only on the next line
8:03
